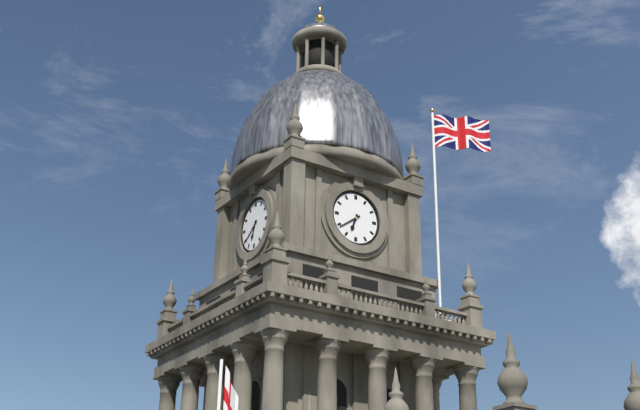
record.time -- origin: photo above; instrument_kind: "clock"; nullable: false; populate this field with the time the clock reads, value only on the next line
6:39
